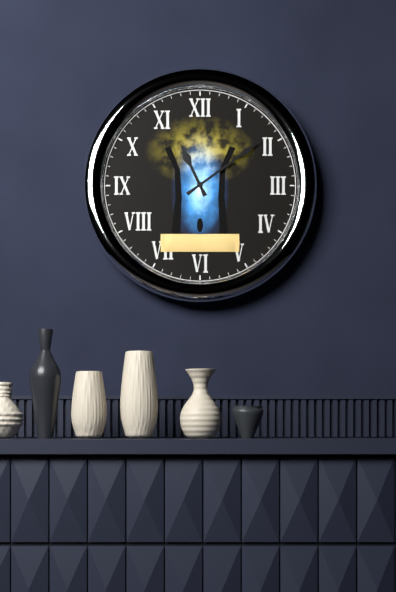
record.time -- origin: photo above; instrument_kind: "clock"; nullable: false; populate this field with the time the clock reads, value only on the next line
11:09
